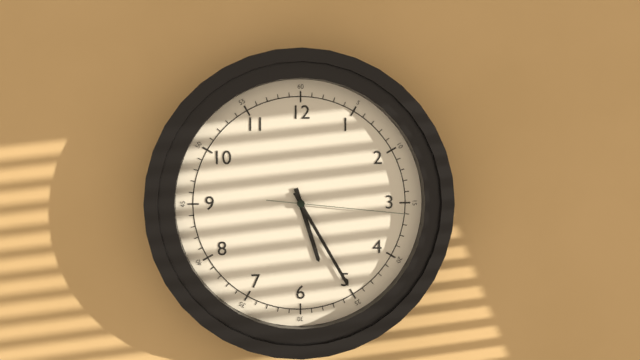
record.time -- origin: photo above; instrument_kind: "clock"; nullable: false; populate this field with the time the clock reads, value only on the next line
5:25:16
